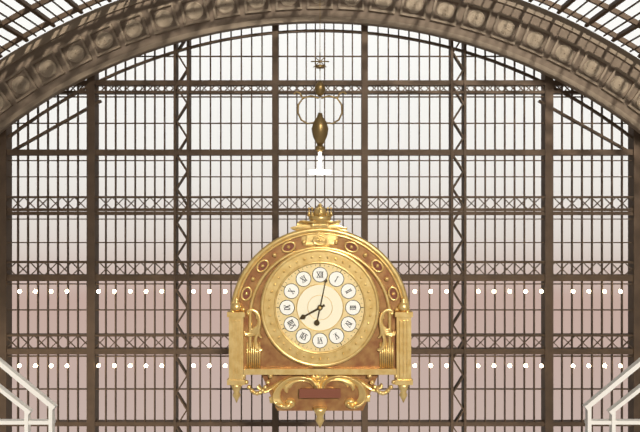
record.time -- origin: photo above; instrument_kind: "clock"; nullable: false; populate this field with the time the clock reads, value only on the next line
8:02
